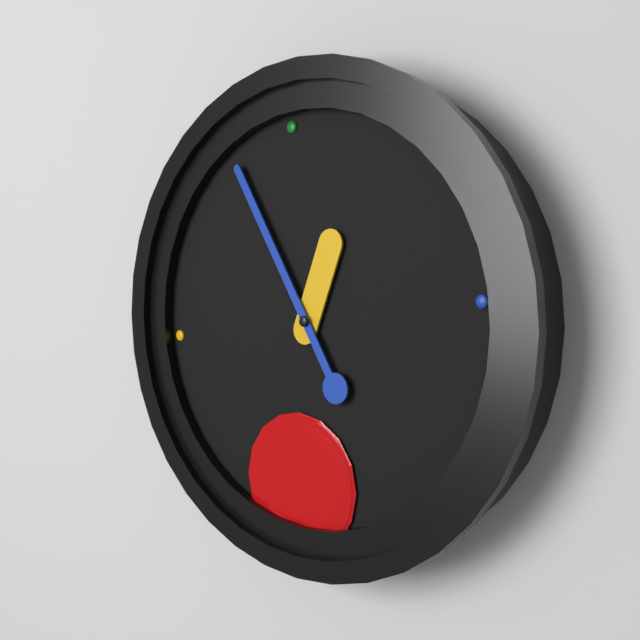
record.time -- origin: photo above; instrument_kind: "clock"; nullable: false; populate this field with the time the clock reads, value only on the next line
12:56
